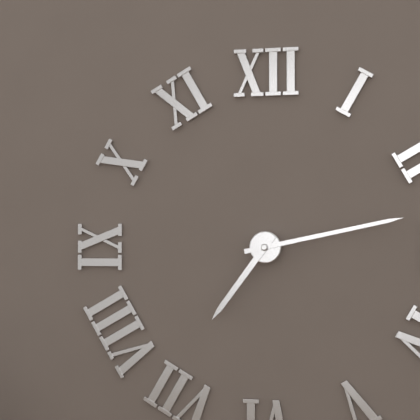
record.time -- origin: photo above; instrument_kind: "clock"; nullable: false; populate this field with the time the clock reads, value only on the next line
7:13
